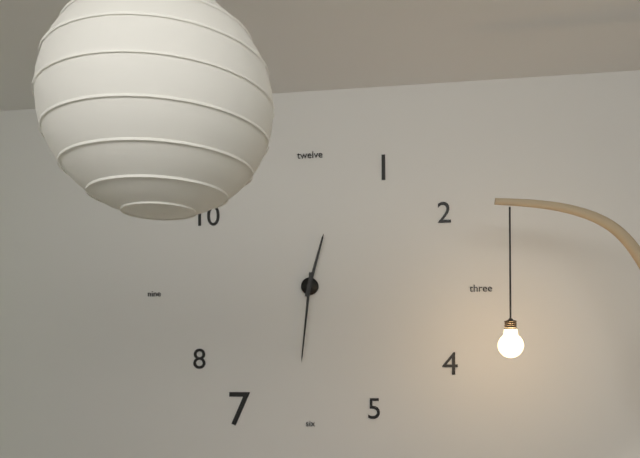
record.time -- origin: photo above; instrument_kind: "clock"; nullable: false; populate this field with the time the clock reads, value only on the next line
12:31
